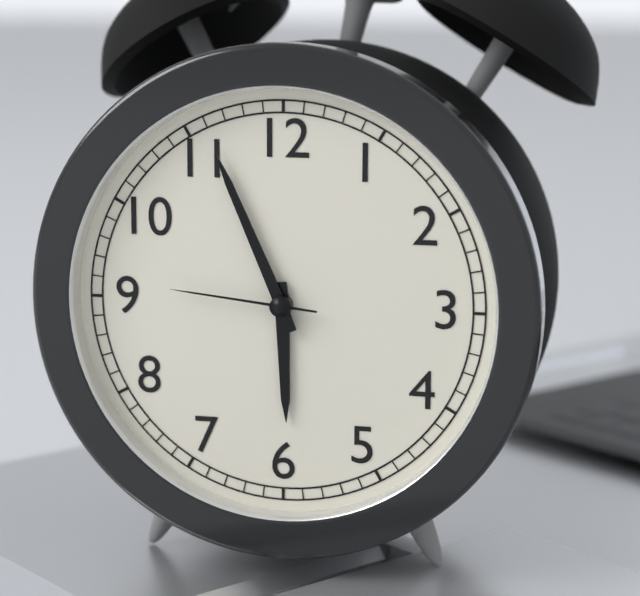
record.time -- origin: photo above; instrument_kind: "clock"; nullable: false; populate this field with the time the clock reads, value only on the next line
5:56:46
